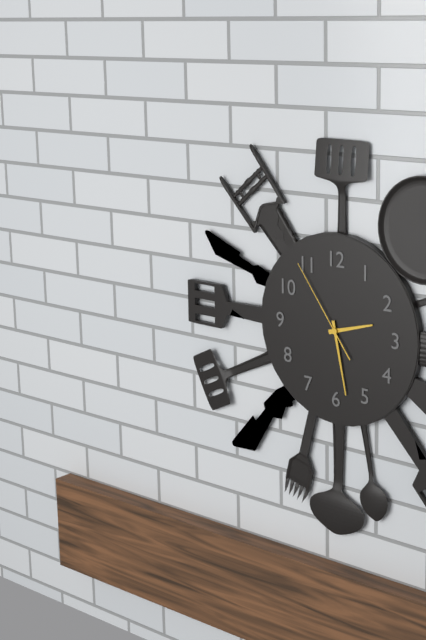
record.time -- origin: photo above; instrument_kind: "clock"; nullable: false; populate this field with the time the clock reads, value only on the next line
2:28:54
